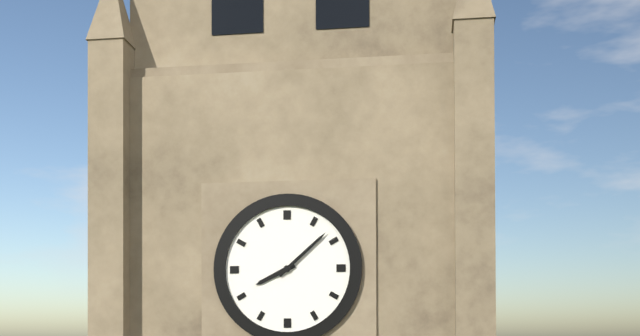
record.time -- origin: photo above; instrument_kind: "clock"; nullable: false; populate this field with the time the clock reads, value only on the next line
8:08
